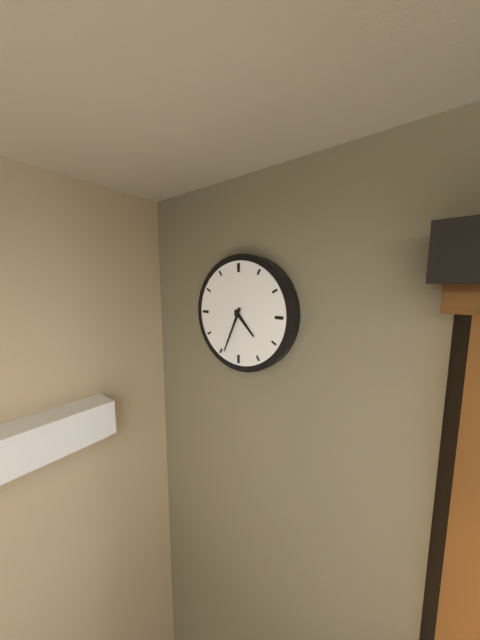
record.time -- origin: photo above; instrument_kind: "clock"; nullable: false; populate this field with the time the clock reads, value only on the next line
4:34
